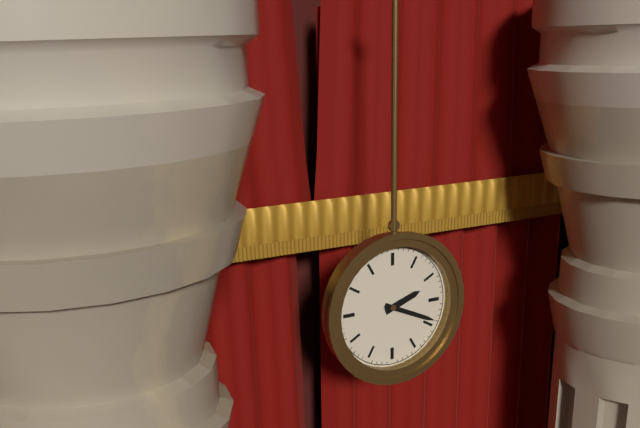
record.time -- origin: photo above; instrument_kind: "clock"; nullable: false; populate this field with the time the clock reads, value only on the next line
2:19
